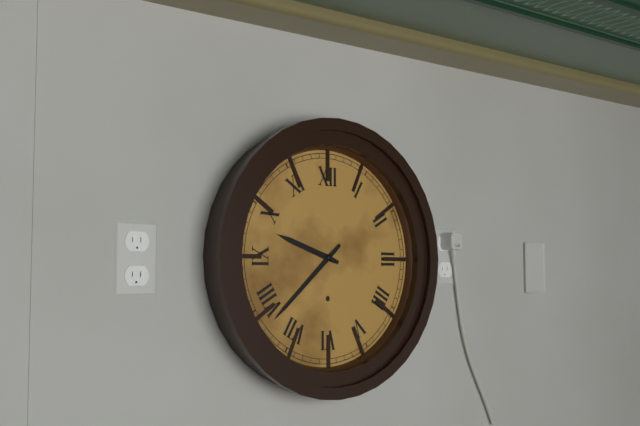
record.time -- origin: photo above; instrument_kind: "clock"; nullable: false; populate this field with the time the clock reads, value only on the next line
9:38
